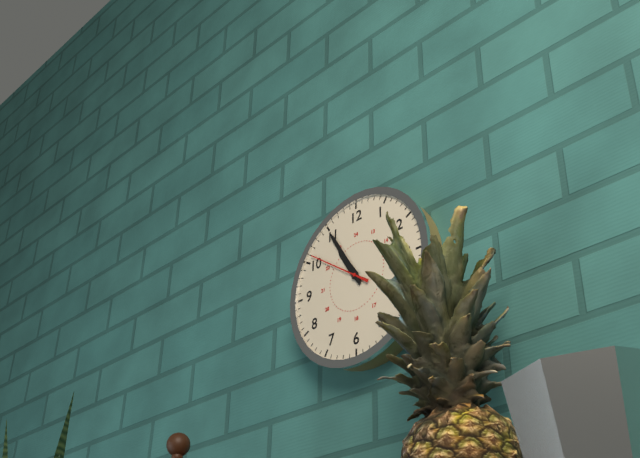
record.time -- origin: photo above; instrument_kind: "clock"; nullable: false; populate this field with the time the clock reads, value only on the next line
10:55:51
